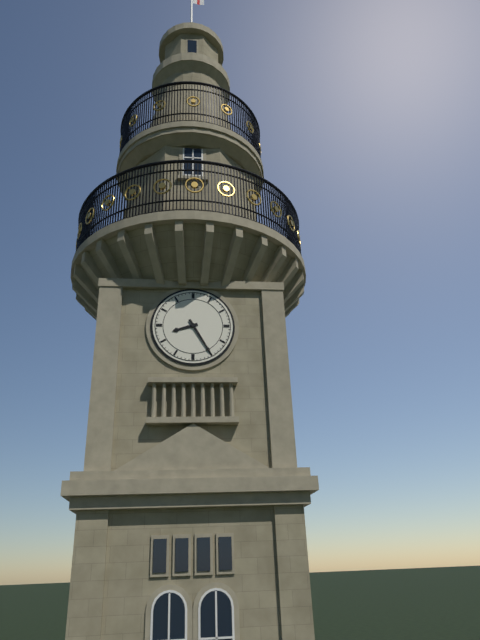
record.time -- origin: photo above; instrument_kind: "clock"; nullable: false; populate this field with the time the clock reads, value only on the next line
8:25
